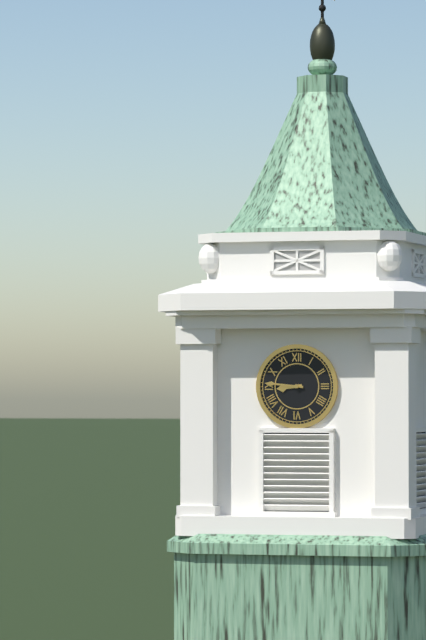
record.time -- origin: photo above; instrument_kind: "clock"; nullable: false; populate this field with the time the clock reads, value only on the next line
8:46
